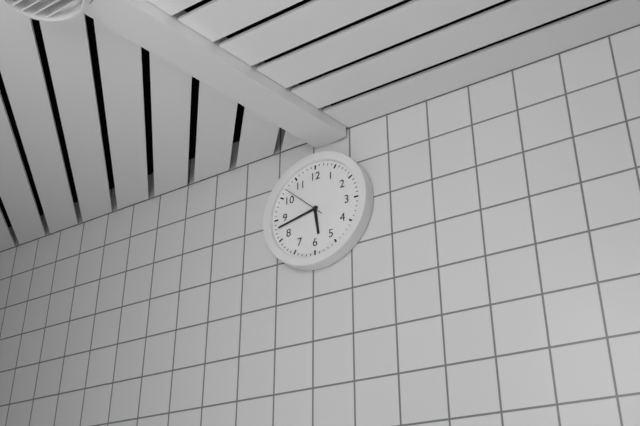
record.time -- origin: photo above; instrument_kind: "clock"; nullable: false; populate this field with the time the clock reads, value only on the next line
5:43
